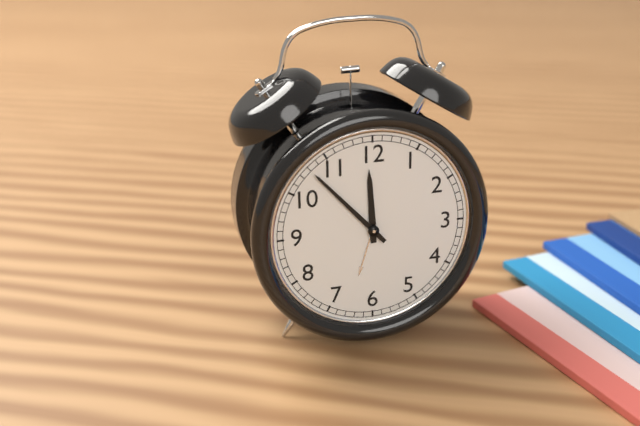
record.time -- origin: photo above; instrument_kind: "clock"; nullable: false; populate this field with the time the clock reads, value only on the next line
11:53
